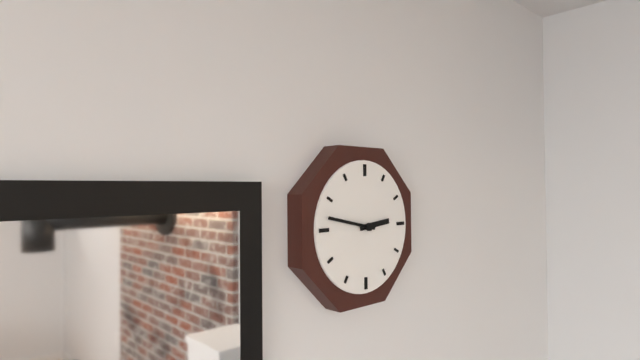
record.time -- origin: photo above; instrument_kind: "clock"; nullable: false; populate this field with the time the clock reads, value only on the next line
2:47
